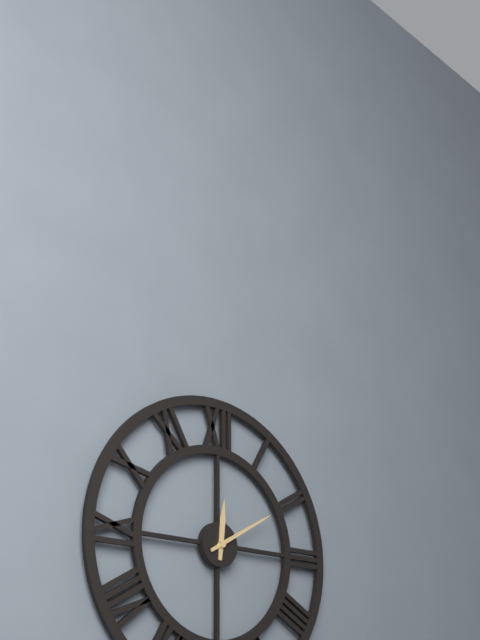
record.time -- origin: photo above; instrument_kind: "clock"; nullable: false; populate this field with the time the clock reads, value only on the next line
12:10
